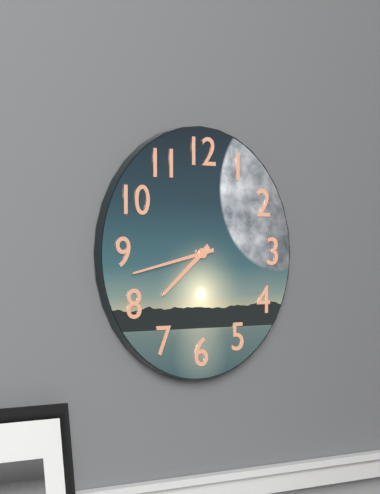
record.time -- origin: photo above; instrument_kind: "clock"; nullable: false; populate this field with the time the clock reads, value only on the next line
7:43
